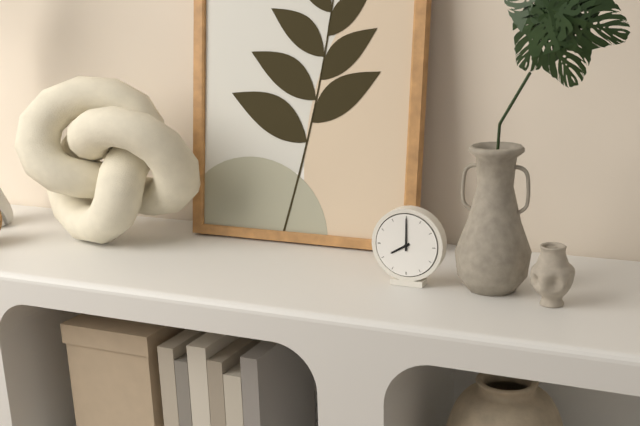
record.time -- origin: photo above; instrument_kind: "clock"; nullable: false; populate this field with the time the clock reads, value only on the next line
8:00
